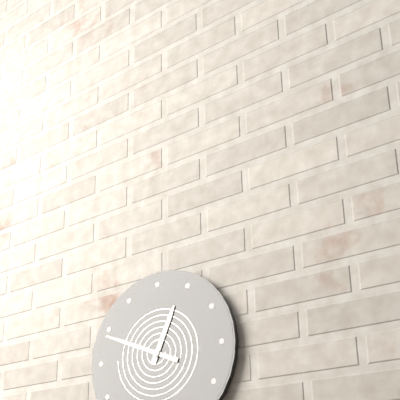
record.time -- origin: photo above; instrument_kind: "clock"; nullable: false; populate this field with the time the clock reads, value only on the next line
12:49
